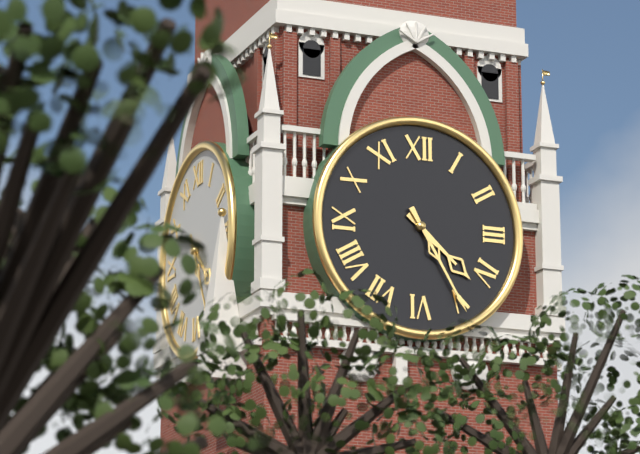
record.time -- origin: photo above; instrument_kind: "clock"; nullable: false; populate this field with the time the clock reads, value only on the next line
4:25
